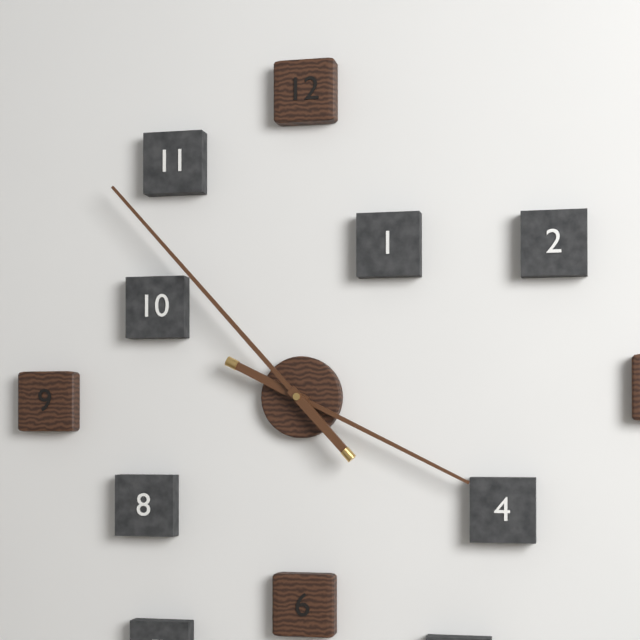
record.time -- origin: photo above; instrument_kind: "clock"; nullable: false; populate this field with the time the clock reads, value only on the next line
3:53
